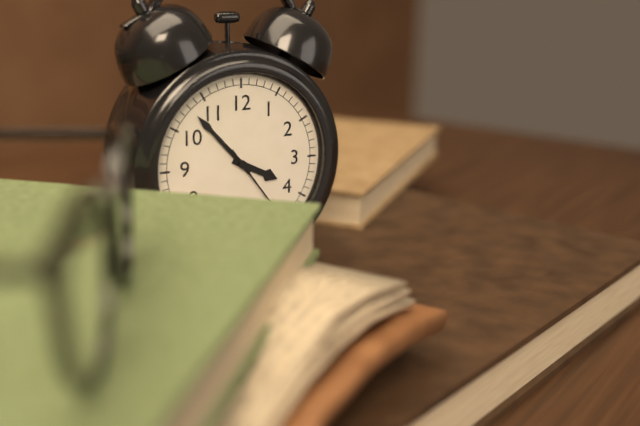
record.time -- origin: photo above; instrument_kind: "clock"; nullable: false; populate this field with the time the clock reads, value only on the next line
3:53
